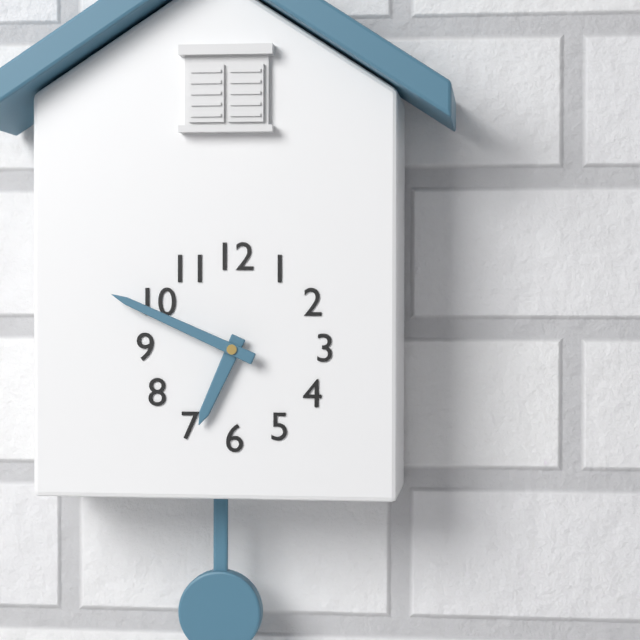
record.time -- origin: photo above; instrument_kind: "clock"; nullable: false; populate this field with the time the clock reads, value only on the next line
6:49
